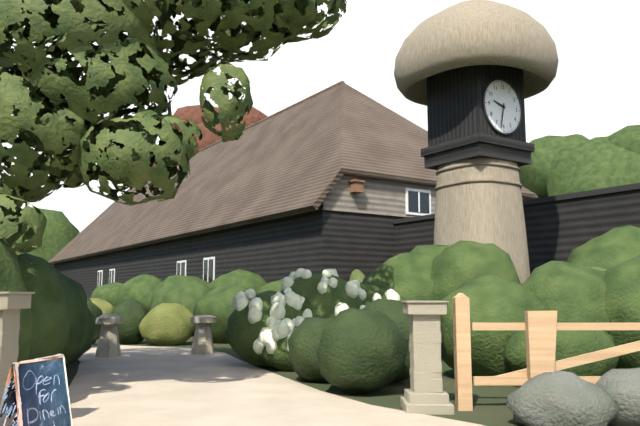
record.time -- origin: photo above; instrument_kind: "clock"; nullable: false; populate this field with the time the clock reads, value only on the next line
9:32
